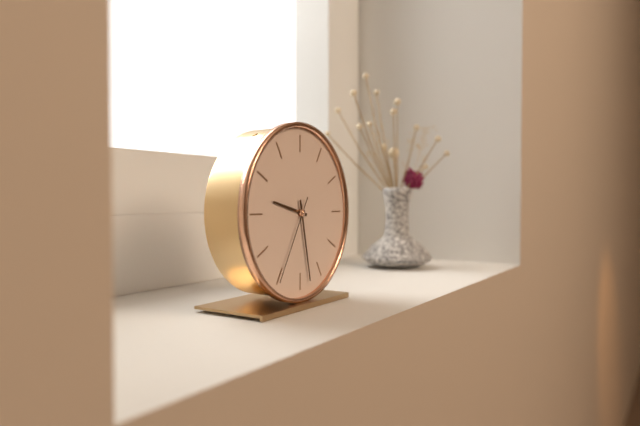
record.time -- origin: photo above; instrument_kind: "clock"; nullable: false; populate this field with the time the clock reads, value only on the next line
9:28:35
